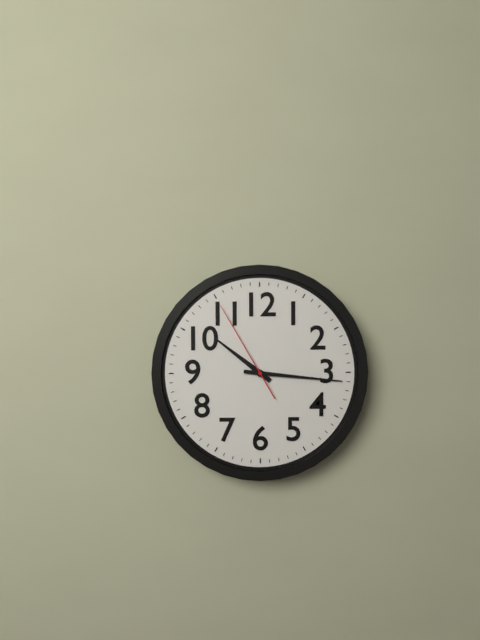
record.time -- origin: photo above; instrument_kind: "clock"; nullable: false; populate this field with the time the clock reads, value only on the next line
10:16:55
